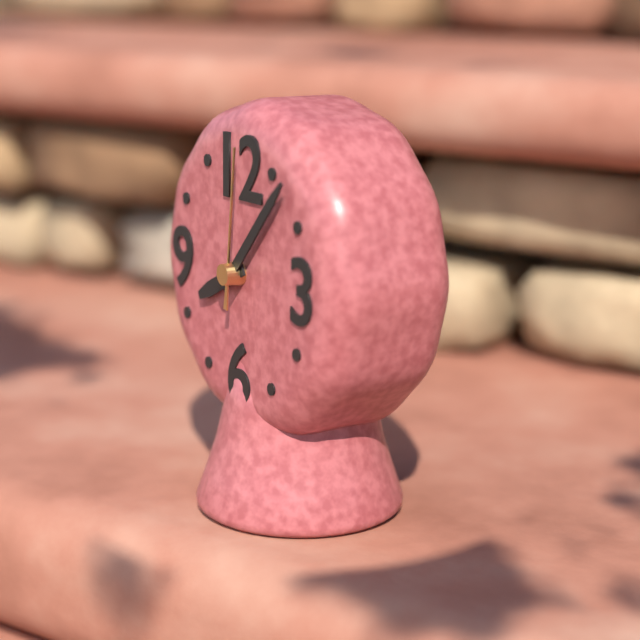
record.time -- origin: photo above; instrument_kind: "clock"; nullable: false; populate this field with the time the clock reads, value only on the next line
8:07:01
